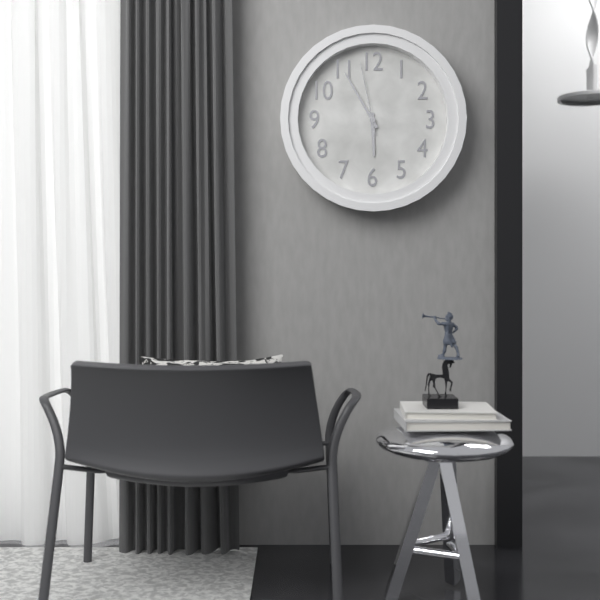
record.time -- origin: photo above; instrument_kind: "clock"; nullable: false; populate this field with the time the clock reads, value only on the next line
5:55:58
